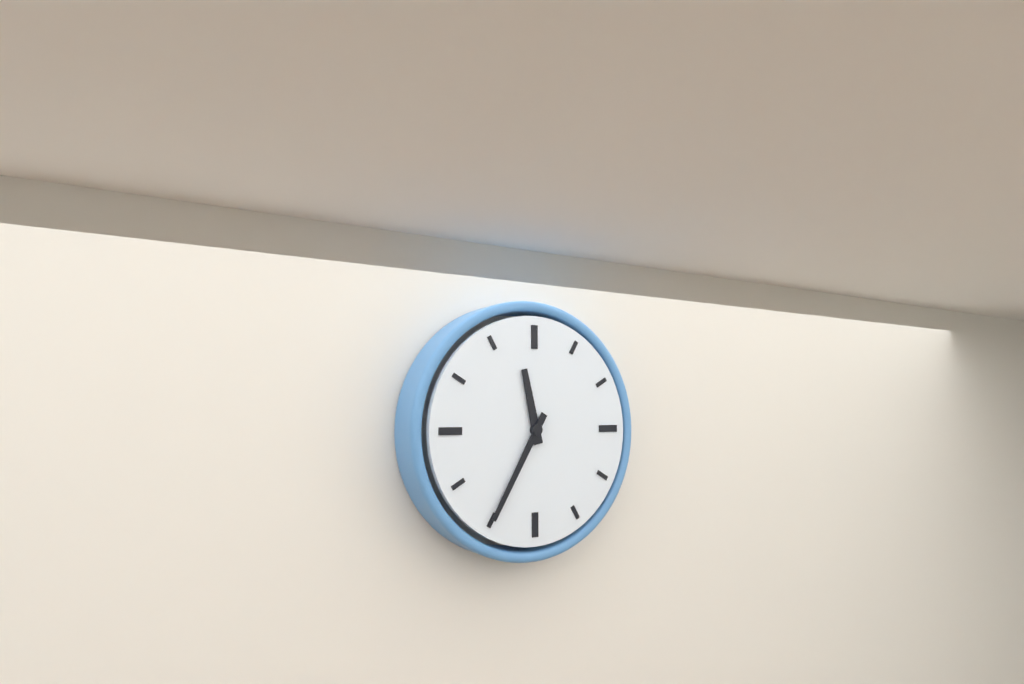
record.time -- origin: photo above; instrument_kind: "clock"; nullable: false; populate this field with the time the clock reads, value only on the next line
11:35
